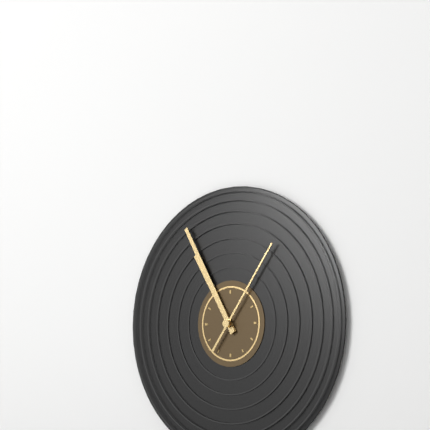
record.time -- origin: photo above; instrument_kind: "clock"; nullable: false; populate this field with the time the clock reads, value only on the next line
10:55:06
